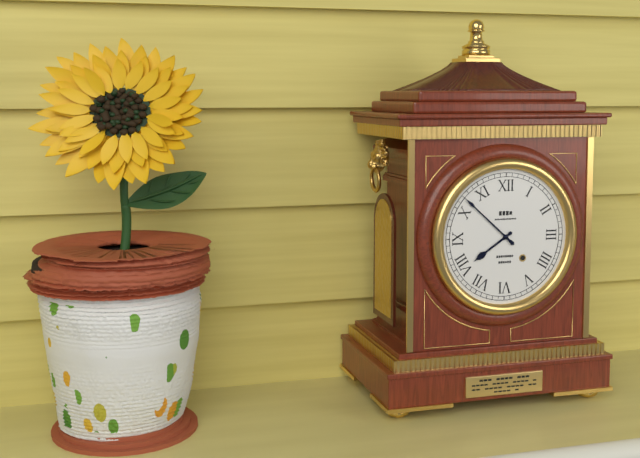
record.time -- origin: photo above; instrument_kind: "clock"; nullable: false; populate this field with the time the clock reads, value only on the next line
7:52
